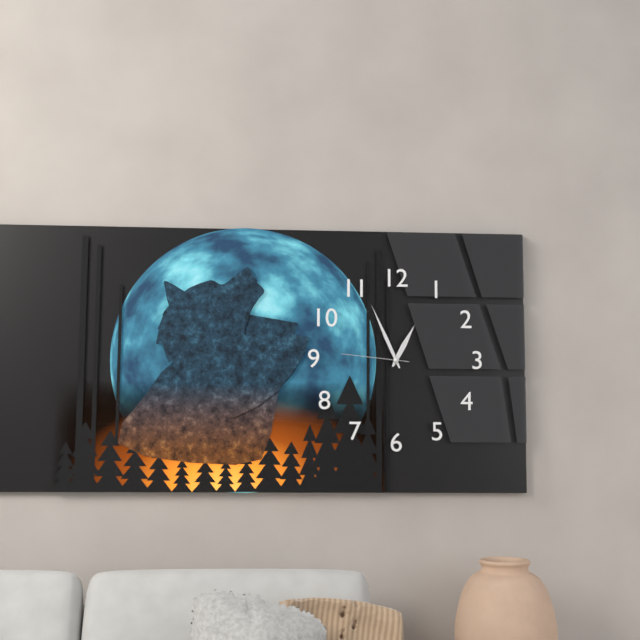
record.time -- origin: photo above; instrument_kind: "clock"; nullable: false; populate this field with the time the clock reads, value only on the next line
12:56:46
